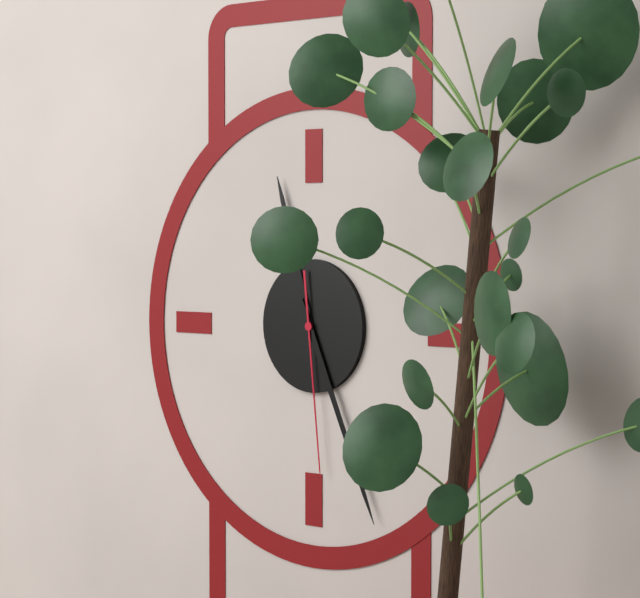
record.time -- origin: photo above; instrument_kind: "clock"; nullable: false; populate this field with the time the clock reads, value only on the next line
11:26:29
